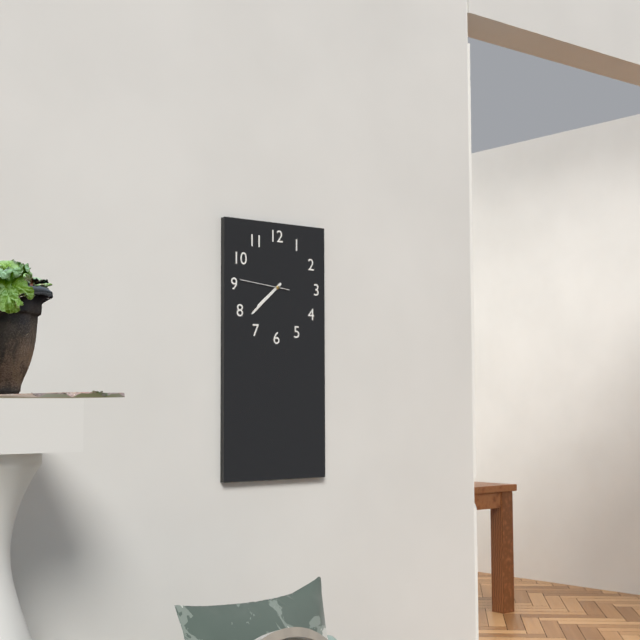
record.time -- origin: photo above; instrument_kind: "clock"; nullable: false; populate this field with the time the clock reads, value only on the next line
7:38
